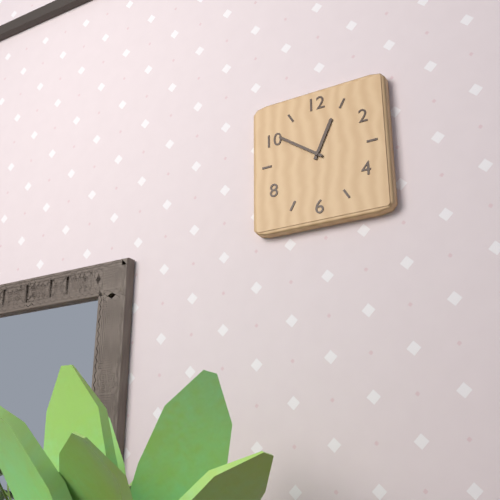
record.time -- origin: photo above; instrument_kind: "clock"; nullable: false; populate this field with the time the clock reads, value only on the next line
12:51
